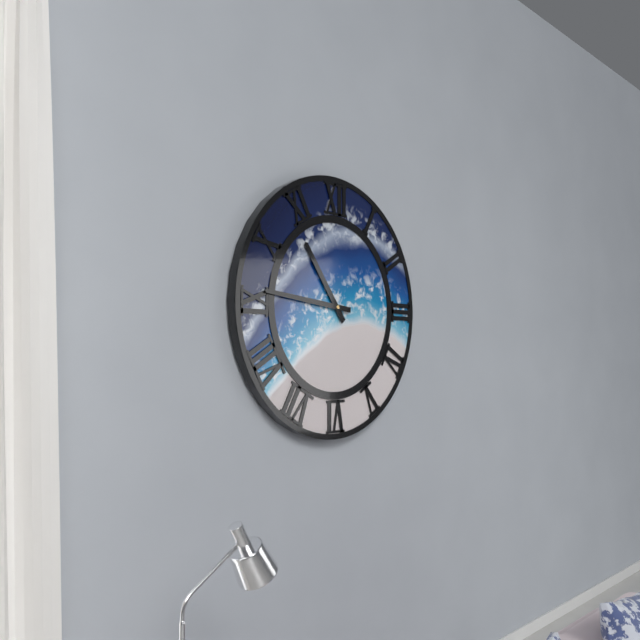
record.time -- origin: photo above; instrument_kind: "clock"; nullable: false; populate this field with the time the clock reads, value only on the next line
10:46
